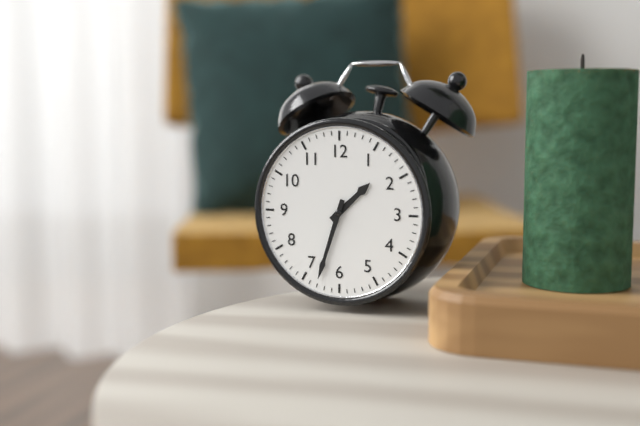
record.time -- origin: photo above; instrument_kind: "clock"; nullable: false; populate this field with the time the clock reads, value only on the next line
1:33
